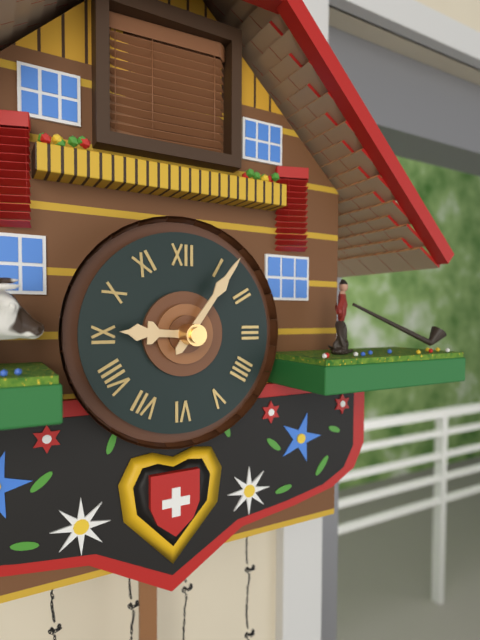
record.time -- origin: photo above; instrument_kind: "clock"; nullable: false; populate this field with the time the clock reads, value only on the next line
9:06
